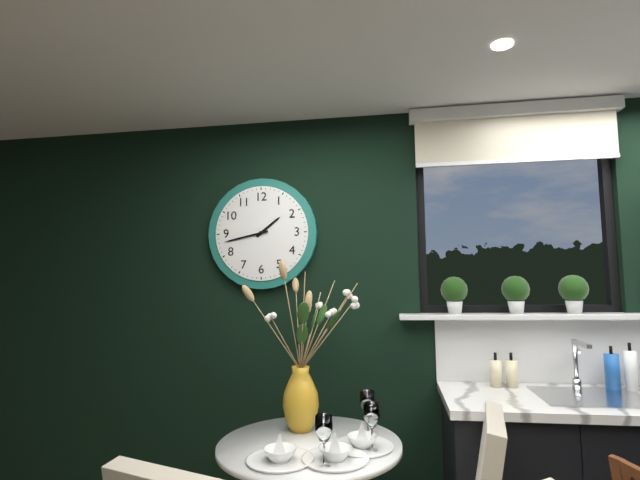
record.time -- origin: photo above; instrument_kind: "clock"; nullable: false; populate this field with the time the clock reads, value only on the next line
1:43
